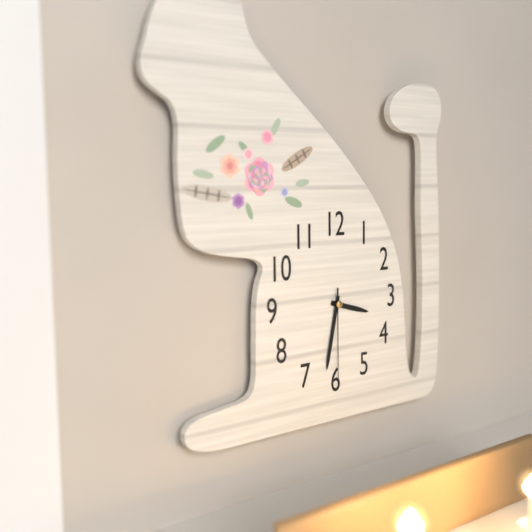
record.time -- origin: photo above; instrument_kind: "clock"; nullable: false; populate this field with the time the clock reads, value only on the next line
3:32:30
